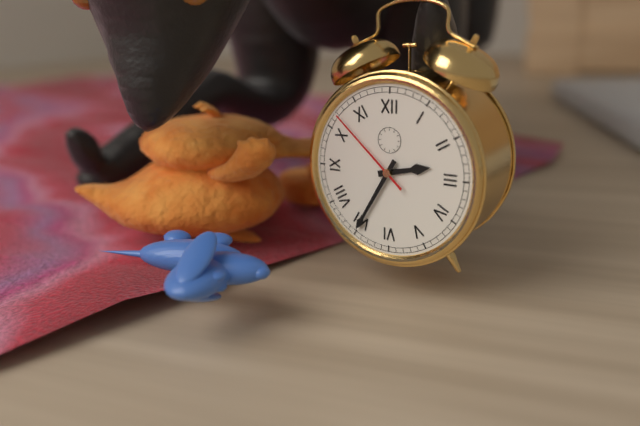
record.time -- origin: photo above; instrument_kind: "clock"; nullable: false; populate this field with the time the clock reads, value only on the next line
2:35:52
